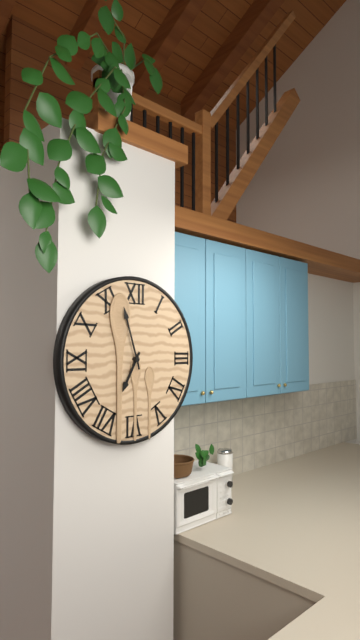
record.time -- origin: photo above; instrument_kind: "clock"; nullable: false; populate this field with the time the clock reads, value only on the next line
6:57
